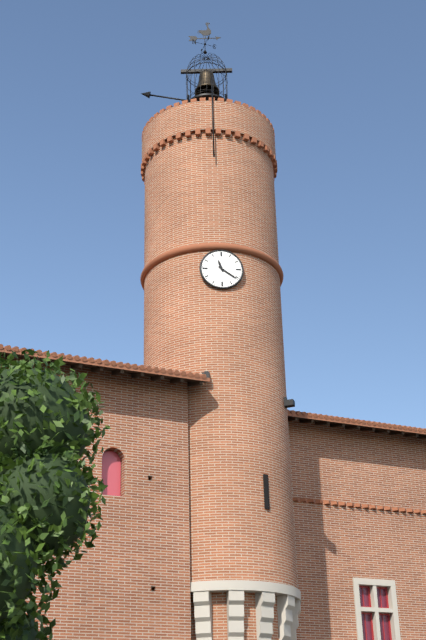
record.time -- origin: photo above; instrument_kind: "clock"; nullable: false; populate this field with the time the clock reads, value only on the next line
11:21
